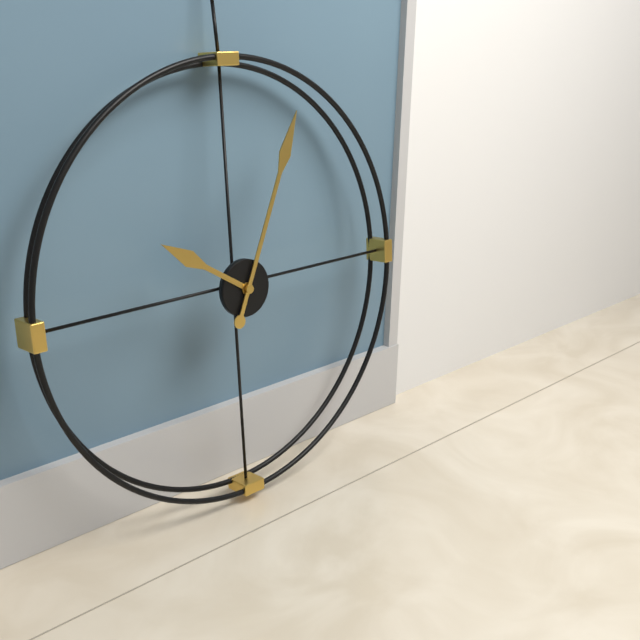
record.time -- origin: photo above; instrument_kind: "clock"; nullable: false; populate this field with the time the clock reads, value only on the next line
10:04
